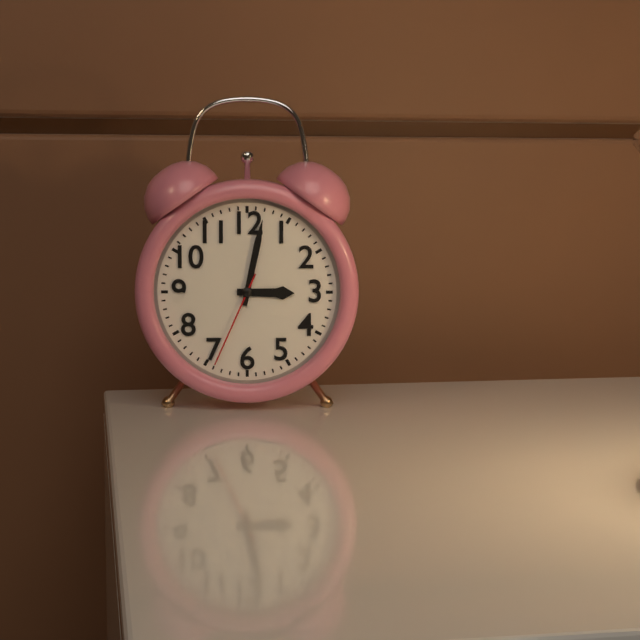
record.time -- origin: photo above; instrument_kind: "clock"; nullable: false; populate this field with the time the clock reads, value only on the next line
3:02:34
